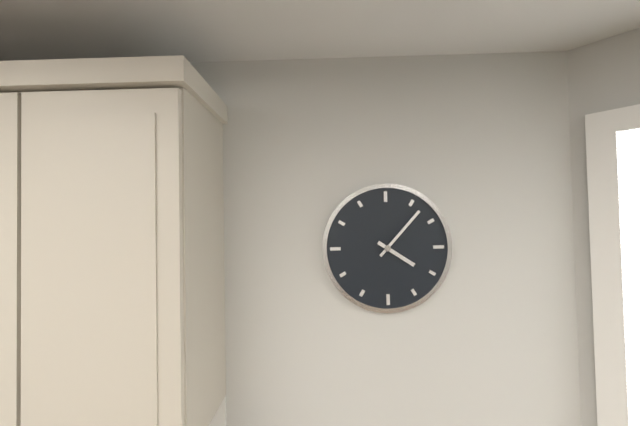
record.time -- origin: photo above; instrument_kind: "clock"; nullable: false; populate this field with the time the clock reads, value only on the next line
4:07
